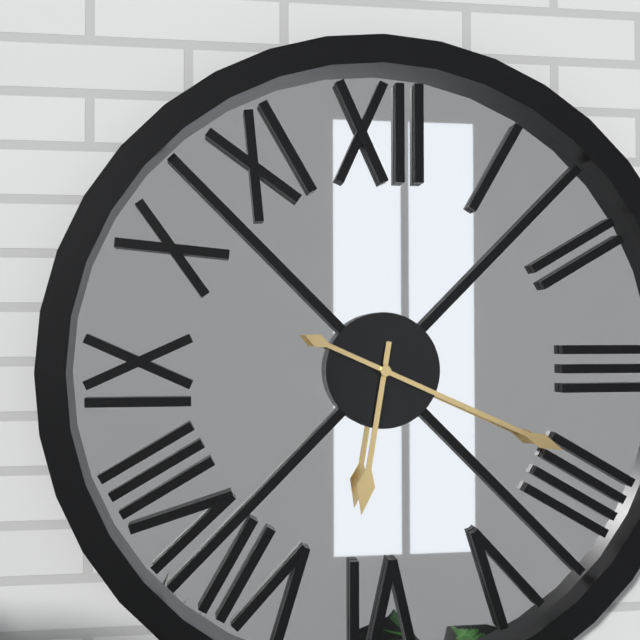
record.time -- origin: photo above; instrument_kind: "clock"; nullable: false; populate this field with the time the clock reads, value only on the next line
6:19
